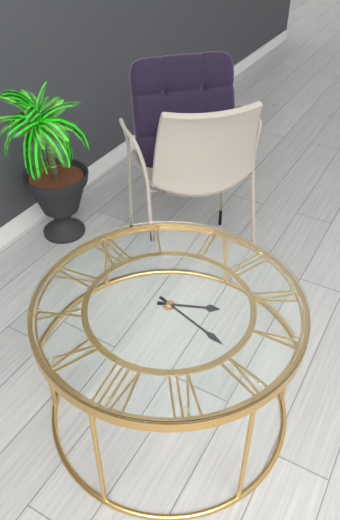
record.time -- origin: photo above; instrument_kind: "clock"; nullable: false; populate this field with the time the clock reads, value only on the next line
4:29
